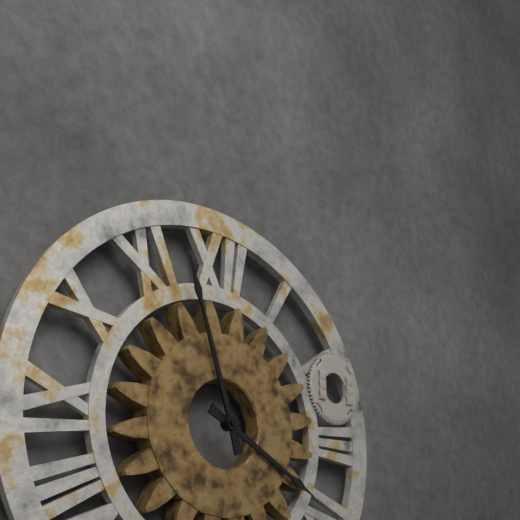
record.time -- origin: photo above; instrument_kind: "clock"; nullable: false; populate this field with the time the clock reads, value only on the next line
3:57
